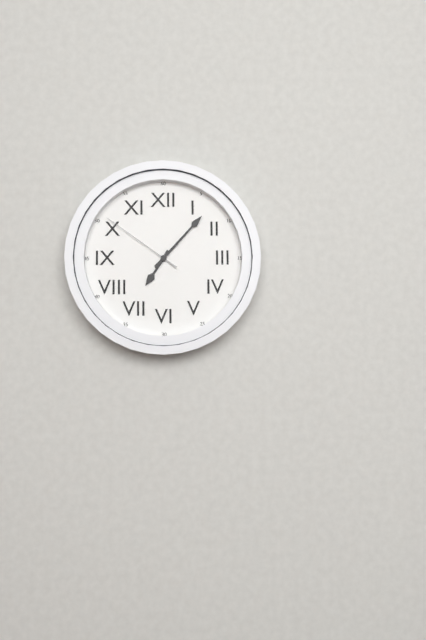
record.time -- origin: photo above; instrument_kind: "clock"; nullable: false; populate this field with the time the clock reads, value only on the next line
7:07:51
